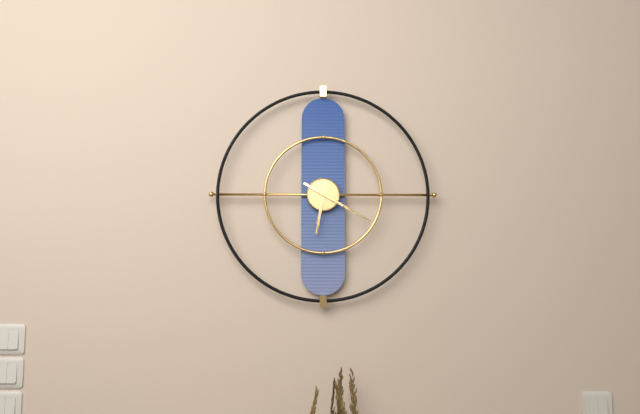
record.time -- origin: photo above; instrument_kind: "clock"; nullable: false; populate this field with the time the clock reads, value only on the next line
6:20
